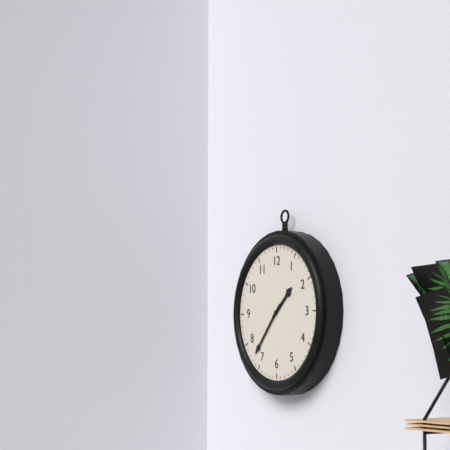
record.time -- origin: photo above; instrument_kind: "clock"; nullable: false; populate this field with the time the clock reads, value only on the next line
1:37
